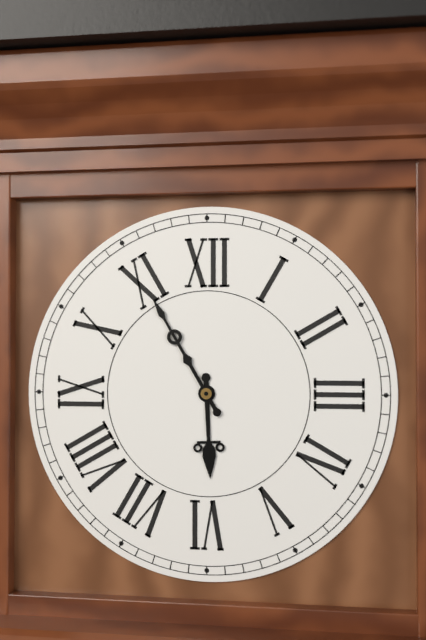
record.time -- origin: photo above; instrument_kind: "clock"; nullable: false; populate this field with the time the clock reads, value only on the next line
5:55
